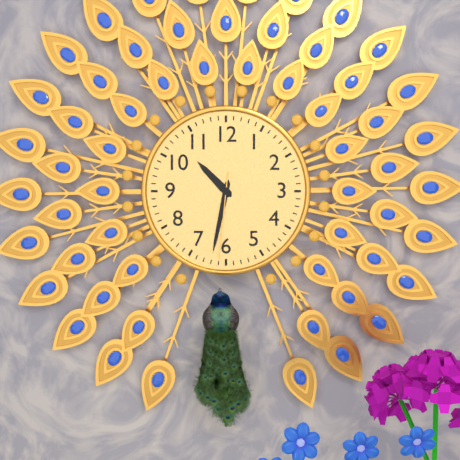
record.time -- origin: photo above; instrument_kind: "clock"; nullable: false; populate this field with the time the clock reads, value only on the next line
10:32:31
